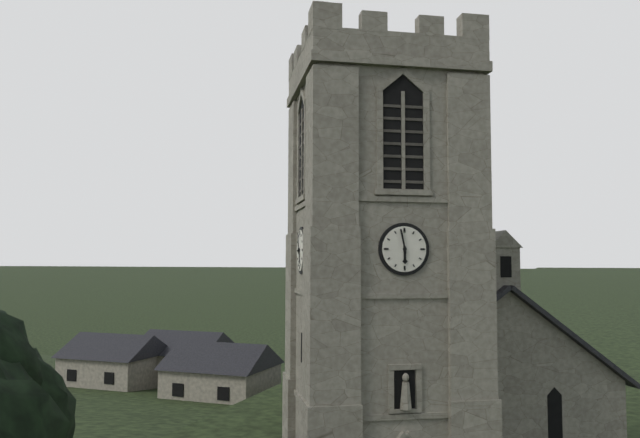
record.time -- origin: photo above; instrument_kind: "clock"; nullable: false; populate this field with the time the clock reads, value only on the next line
5:58
